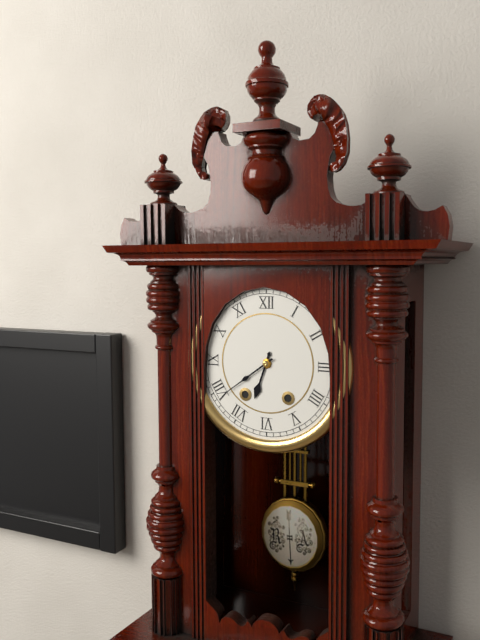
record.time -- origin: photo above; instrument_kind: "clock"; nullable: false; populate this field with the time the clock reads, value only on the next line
6:39
